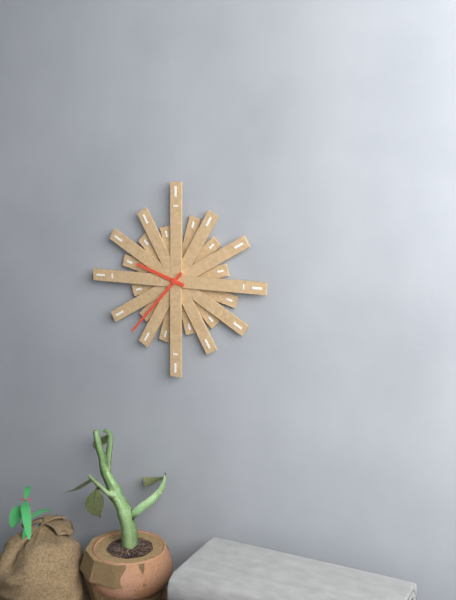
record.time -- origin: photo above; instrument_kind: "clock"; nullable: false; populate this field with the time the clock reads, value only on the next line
9:37
